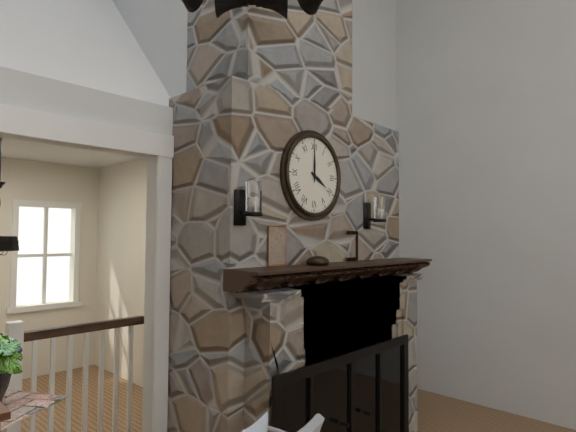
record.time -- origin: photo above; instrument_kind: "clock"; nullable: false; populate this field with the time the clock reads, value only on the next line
4:00
